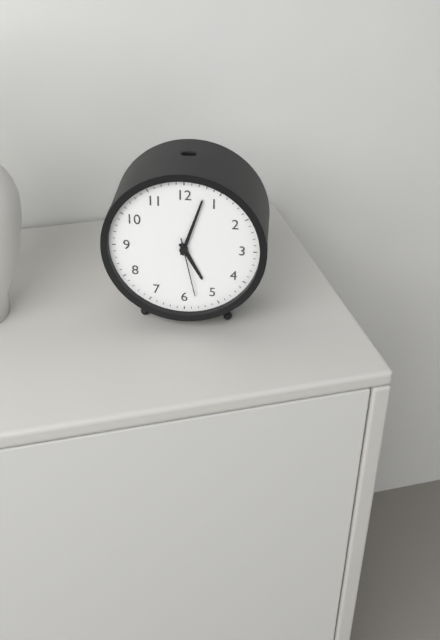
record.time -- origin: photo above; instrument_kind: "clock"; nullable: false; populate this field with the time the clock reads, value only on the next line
5:03:28
